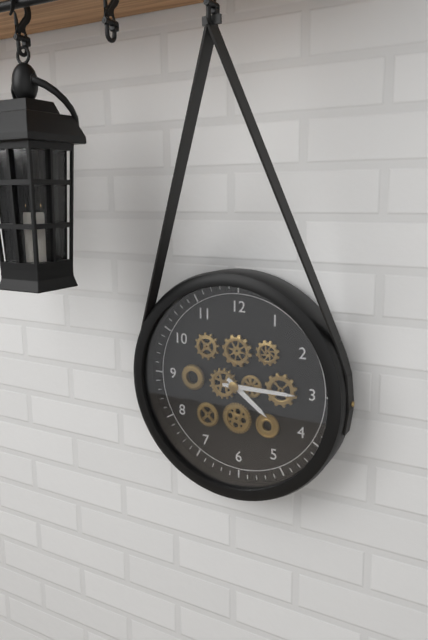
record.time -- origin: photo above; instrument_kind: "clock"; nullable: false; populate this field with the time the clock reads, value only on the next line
4:15
